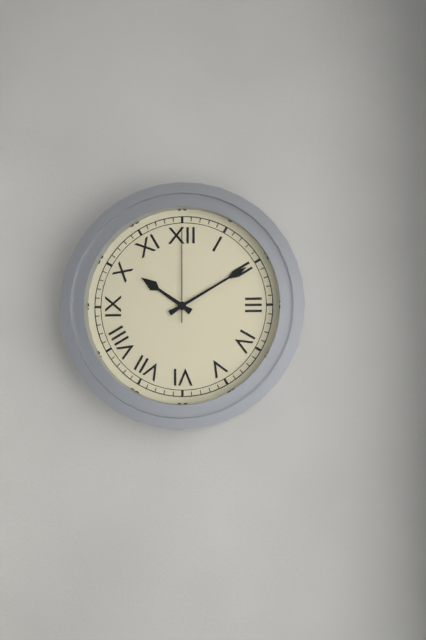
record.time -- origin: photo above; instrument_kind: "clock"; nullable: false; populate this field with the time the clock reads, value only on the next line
10:10:00
